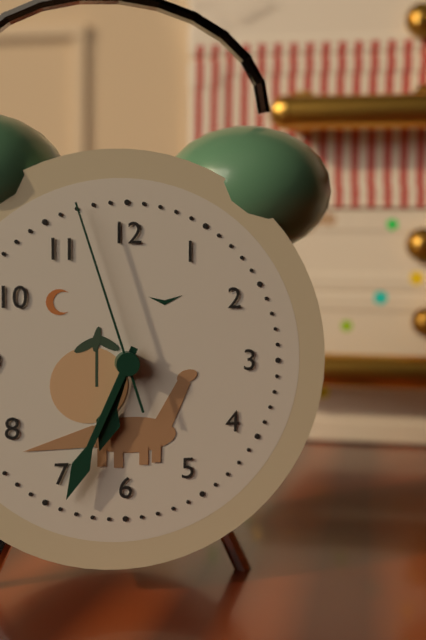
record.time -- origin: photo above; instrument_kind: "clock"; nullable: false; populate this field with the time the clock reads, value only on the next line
6:34:57
